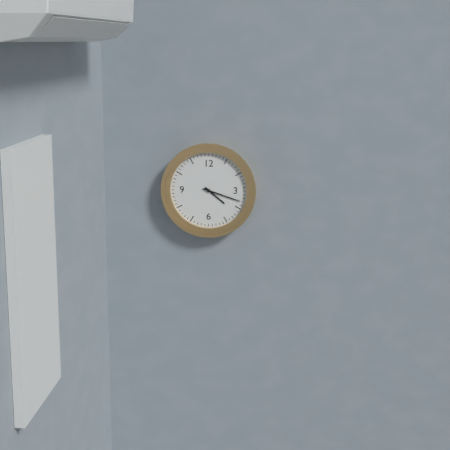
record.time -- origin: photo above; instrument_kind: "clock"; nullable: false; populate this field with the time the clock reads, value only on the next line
4:18
